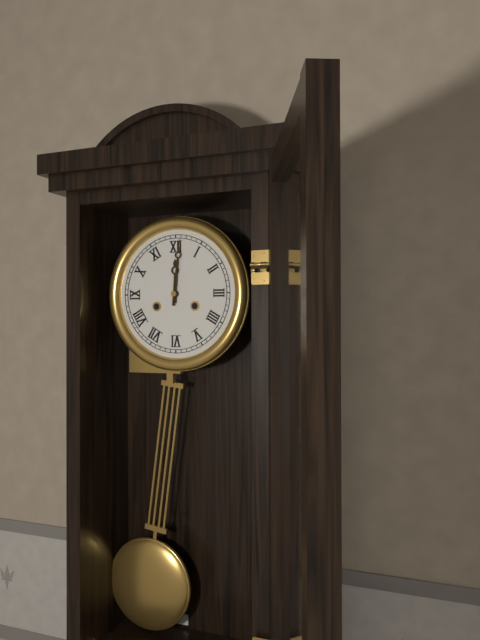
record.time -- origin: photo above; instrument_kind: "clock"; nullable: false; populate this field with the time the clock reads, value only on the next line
12:01
